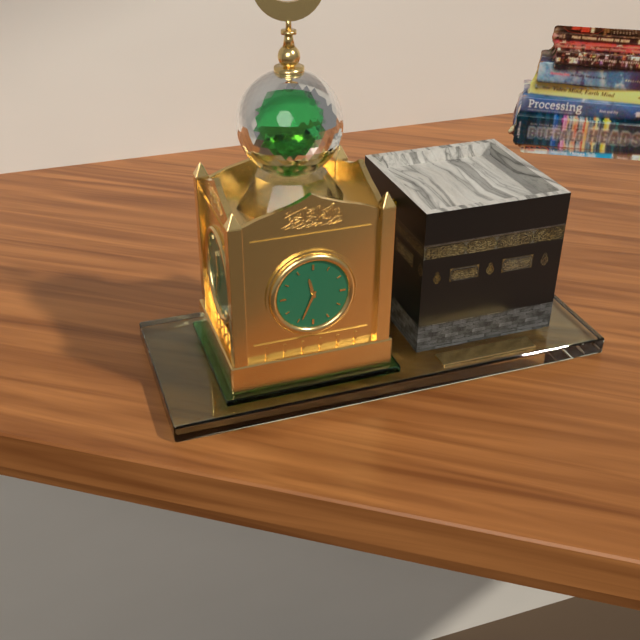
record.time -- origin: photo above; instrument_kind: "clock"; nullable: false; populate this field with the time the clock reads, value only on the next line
11:34
